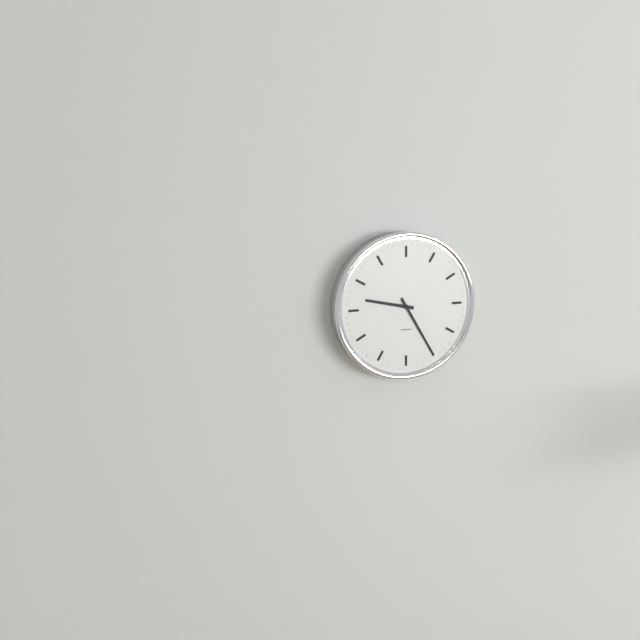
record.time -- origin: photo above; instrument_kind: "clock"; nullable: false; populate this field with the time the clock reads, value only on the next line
9:25
